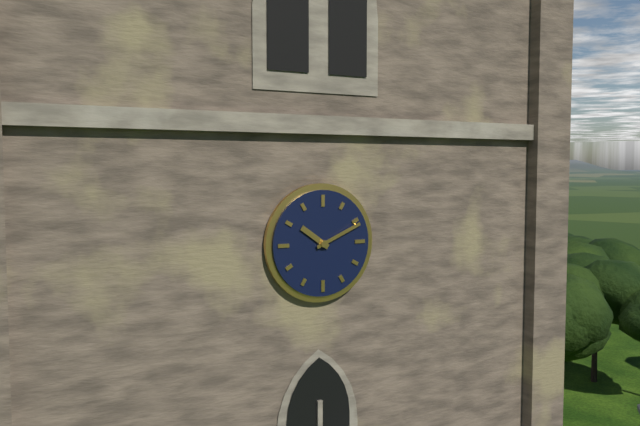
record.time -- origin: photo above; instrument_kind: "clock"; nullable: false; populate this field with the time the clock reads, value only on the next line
10:11
